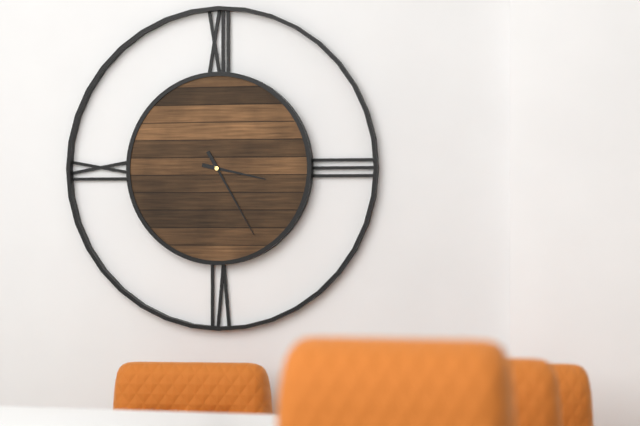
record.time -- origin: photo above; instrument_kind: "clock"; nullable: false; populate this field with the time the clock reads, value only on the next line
3:25
